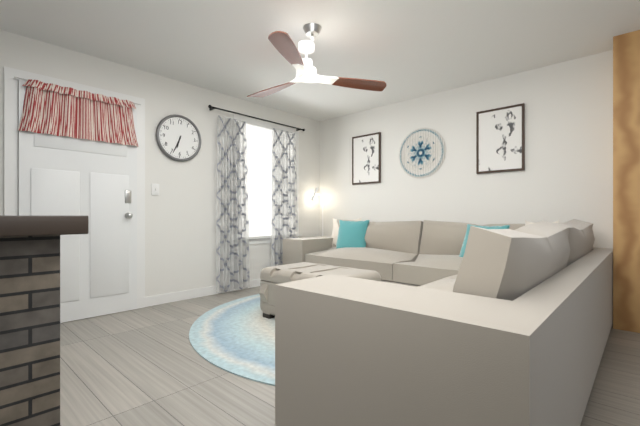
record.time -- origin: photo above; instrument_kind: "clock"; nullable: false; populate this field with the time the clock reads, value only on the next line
6:34
